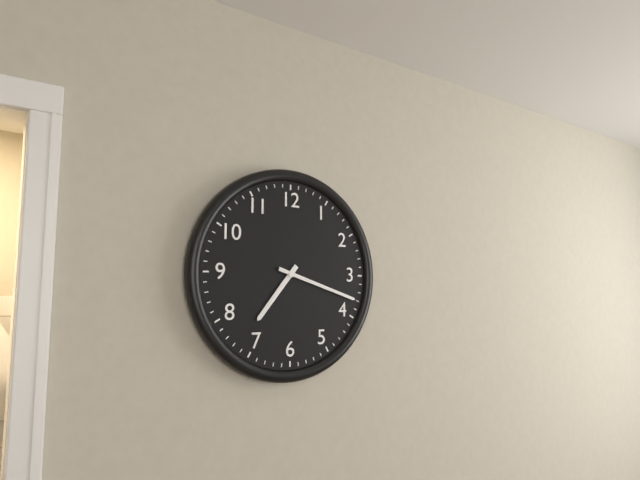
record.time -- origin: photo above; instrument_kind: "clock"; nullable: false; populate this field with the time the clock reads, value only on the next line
7:18
